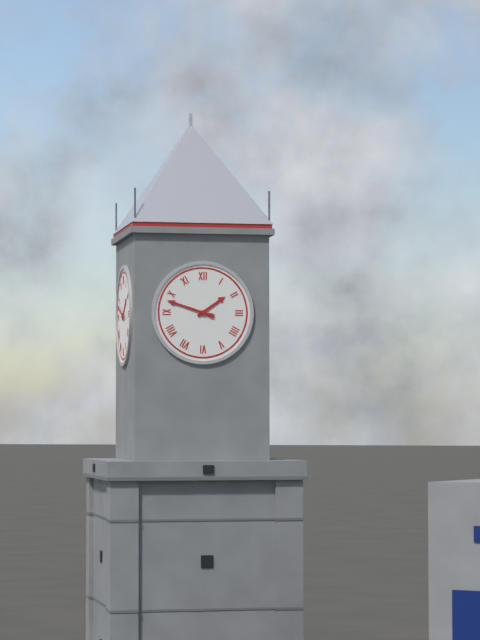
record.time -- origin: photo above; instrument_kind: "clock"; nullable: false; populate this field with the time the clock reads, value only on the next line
1:48
